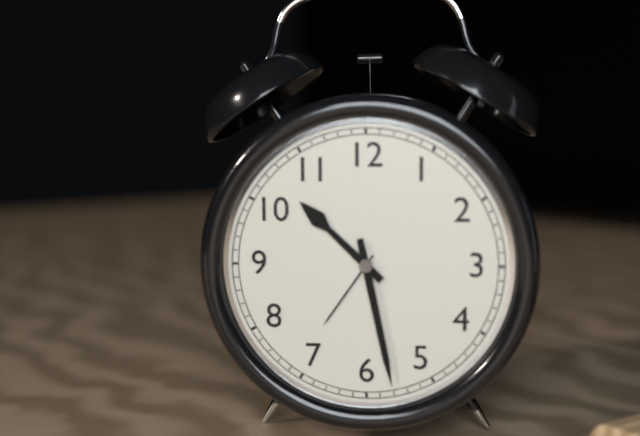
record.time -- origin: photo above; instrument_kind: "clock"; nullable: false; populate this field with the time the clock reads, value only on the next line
10:28
